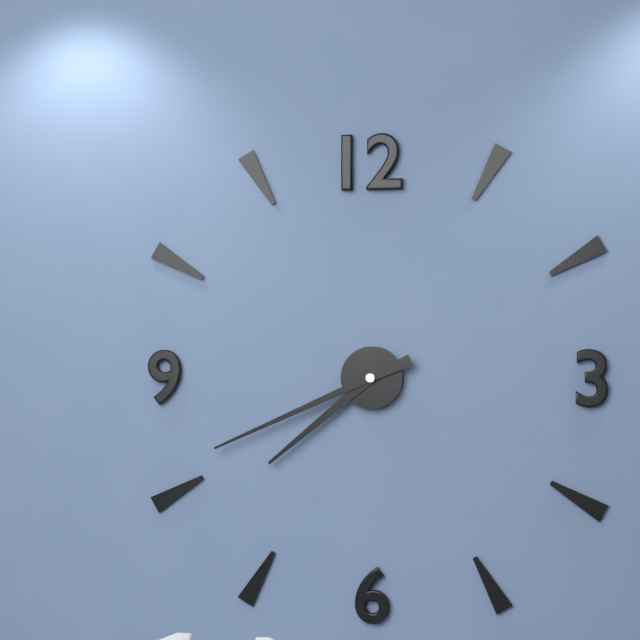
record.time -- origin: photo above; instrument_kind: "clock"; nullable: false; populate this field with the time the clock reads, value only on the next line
7:41
